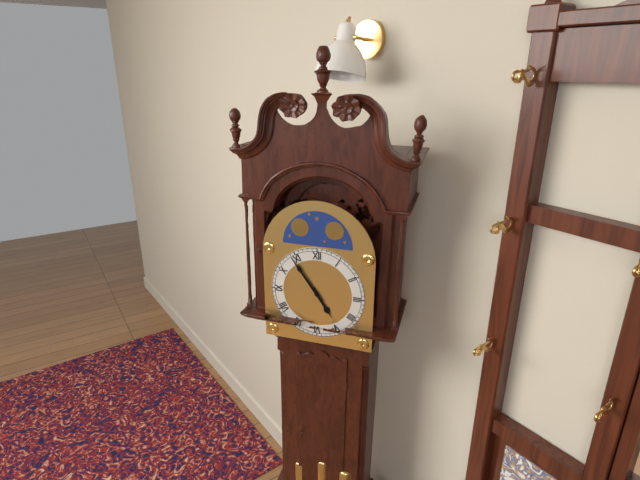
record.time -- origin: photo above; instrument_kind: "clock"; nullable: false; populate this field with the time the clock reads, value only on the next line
4:54
